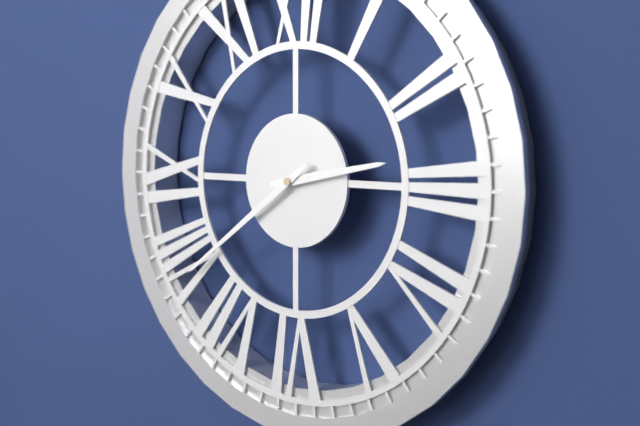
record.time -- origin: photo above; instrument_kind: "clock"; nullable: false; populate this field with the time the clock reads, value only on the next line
2:39
